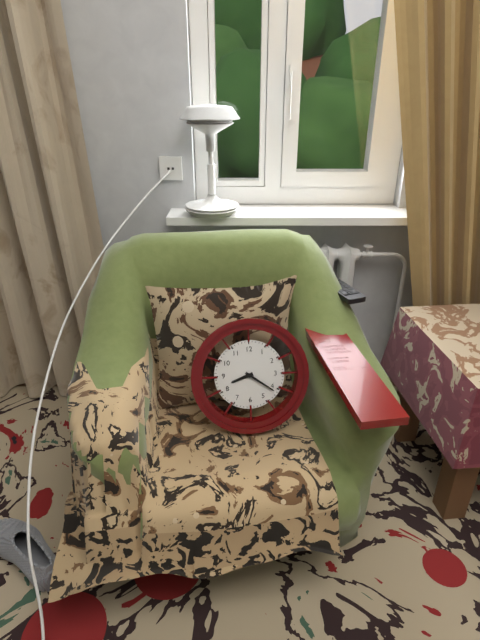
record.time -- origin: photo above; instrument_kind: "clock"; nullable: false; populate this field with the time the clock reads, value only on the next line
8:21
